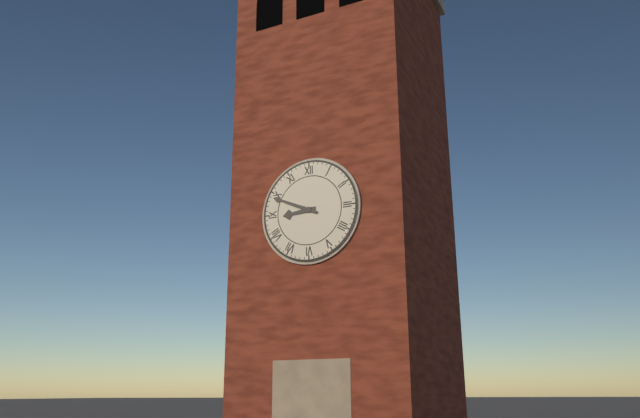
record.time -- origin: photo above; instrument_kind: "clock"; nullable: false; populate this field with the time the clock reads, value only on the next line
8:49
